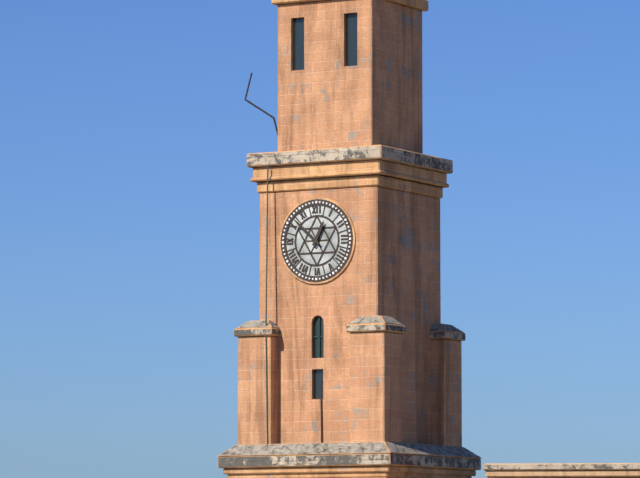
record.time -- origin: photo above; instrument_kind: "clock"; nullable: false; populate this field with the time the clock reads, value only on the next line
12:52
